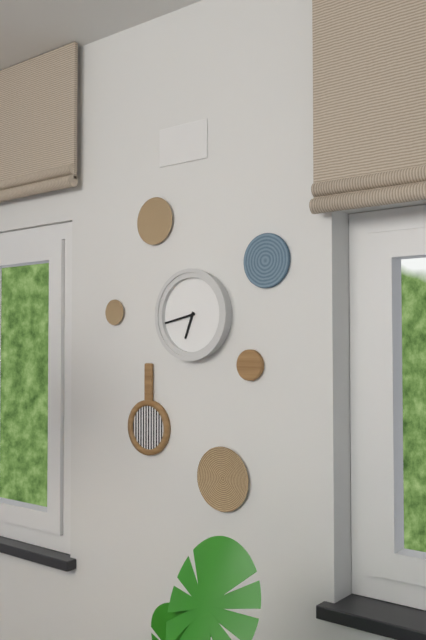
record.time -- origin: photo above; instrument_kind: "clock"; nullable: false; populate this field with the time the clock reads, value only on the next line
6:43
